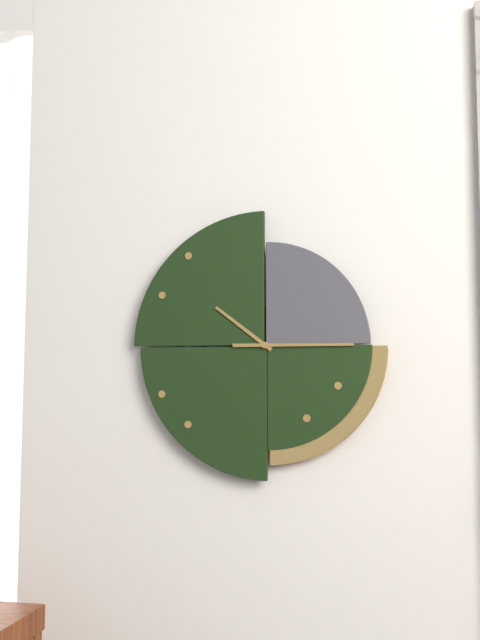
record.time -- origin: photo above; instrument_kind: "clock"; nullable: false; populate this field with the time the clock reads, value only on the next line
10:15
